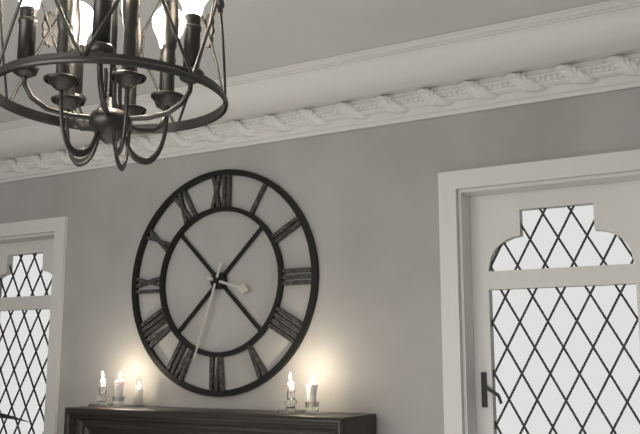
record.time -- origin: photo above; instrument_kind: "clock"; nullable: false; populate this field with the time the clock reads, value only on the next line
3:33
